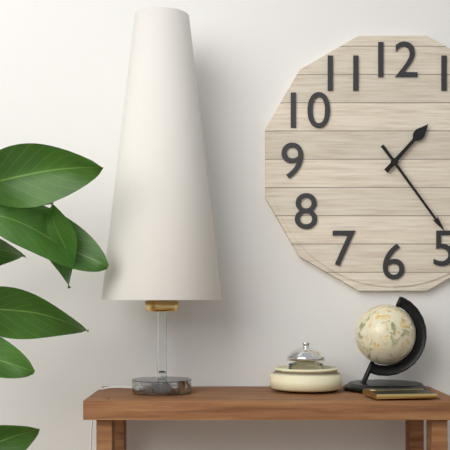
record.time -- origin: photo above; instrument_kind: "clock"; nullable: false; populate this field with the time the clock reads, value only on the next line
1:24
